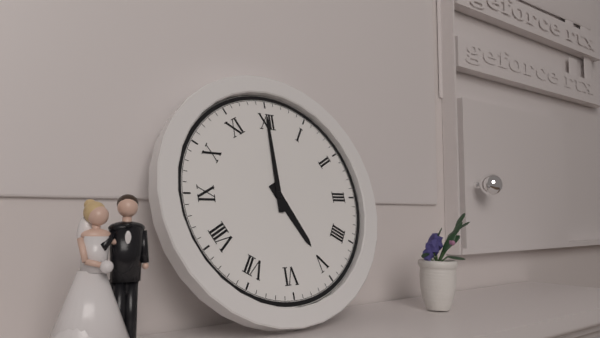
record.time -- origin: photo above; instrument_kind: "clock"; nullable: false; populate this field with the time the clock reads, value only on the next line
5:00
